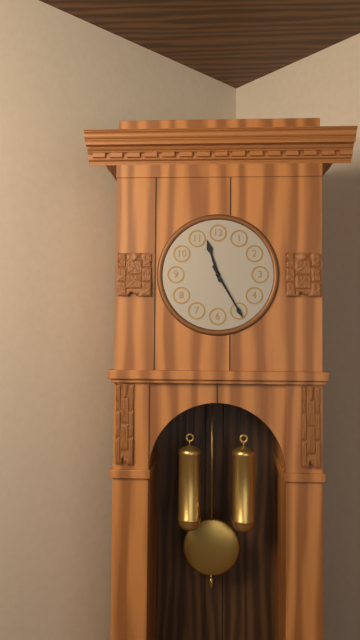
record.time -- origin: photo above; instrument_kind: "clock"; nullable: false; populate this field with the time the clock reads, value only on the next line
11:25
